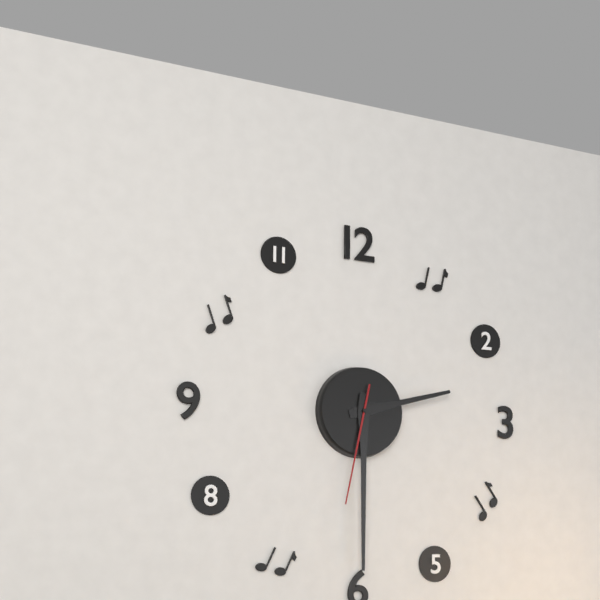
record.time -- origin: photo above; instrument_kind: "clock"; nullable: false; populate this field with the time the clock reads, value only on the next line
2:30:32
